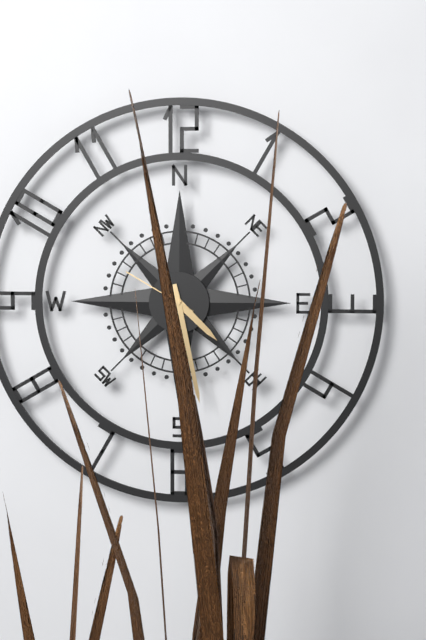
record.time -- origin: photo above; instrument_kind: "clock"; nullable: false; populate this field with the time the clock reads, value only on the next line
4:28:50
